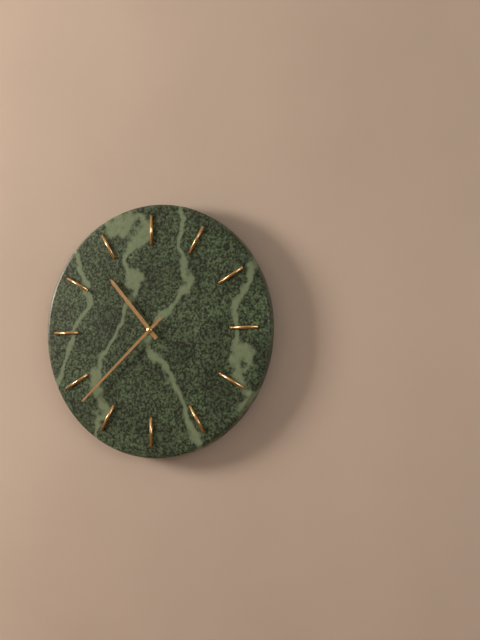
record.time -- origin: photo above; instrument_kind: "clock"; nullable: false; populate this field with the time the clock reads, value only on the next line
10:38
